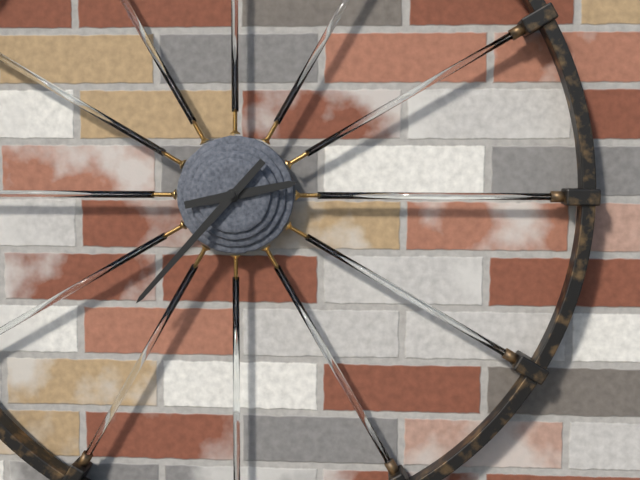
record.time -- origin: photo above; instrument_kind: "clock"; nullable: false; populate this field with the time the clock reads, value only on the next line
2:37
